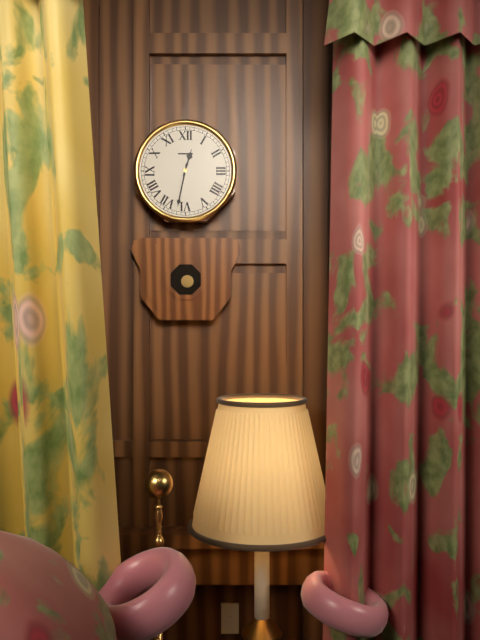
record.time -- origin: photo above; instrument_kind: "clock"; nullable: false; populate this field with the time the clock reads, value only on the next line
12:32
